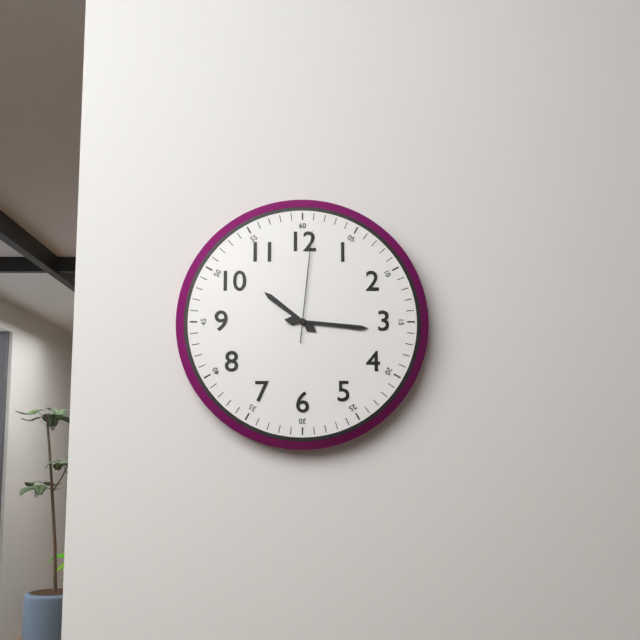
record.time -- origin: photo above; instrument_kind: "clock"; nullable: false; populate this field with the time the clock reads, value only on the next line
10:16:01
